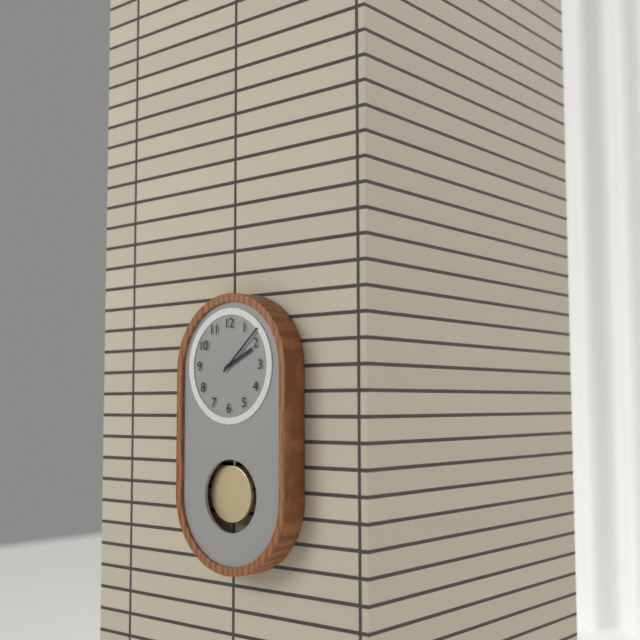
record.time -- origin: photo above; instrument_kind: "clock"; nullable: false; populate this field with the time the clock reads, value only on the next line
2:08
